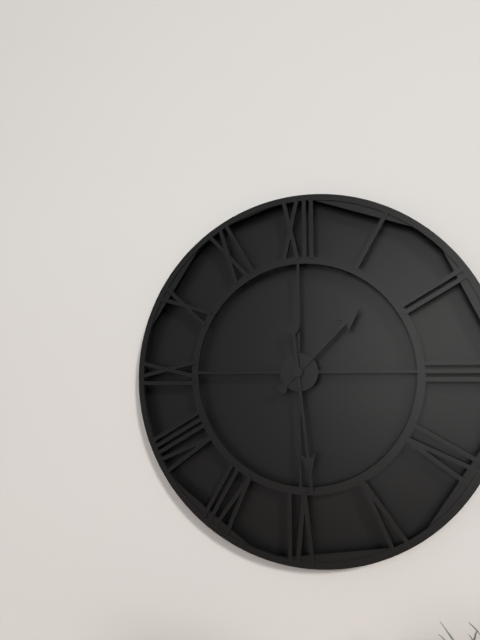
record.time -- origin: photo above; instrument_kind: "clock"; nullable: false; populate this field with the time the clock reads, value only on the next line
1:29
